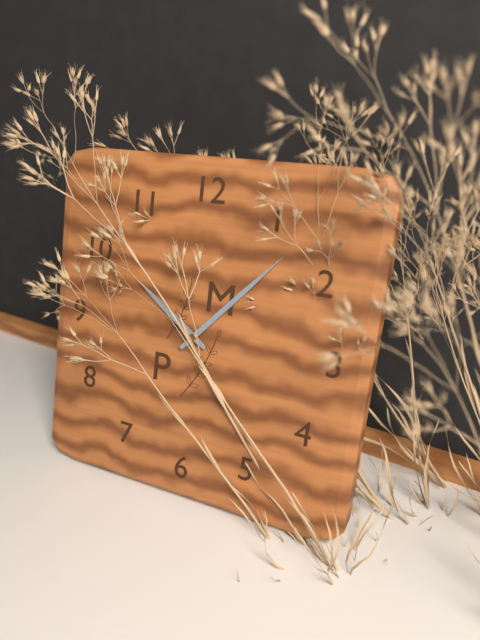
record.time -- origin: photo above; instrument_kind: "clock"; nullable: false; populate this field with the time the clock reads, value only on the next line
10:07
